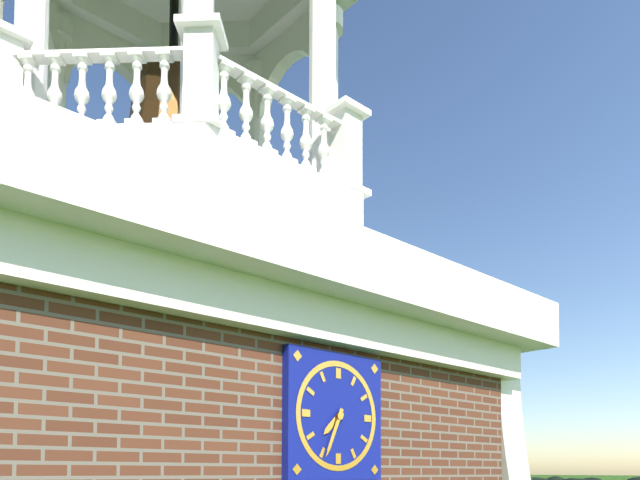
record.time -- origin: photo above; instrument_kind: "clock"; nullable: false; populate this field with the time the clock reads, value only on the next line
7:34
